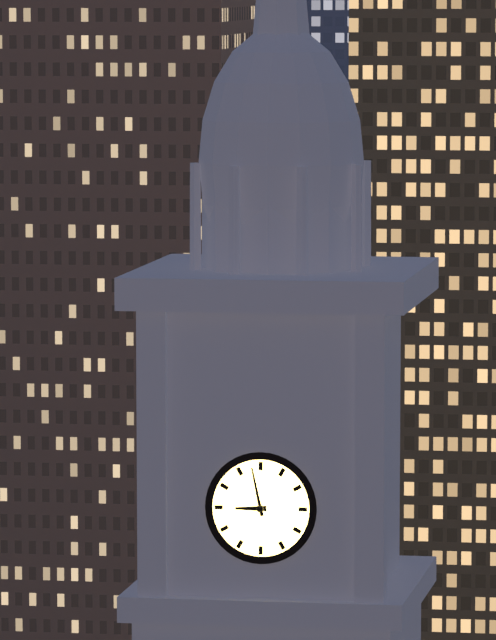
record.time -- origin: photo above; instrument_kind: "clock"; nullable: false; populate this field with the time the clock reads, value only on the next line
8:58
